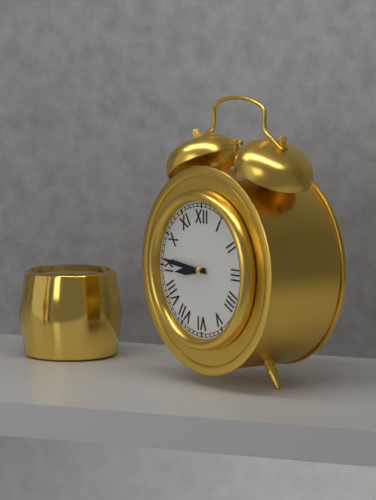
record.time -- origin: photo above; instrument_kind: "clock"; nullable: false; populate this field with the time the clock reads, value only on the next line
8:46
